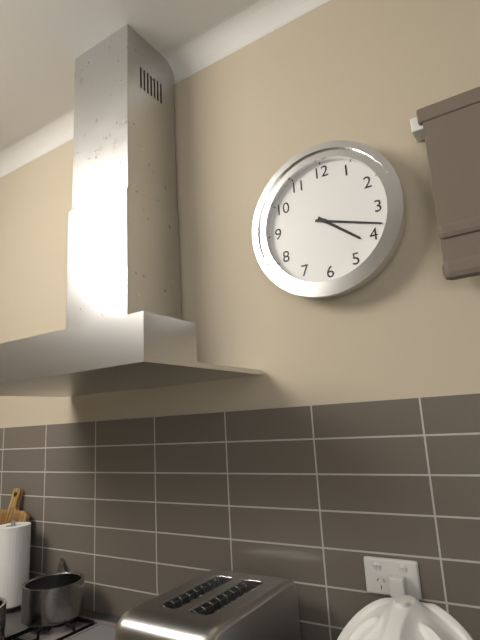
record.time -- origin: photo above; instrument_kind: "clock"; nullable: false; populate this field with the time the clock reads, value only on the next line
4:18
